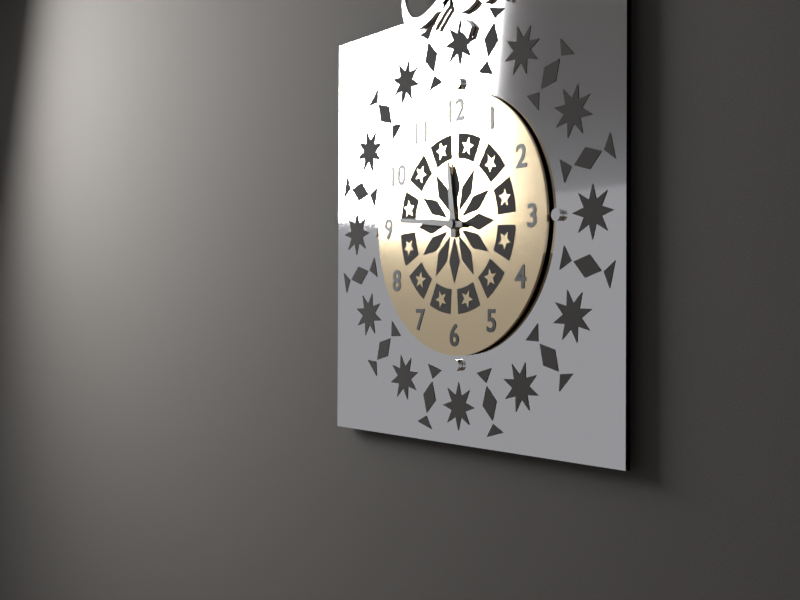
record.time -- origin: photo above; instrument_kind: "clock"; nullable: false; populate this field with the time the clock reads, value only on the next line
11:46
